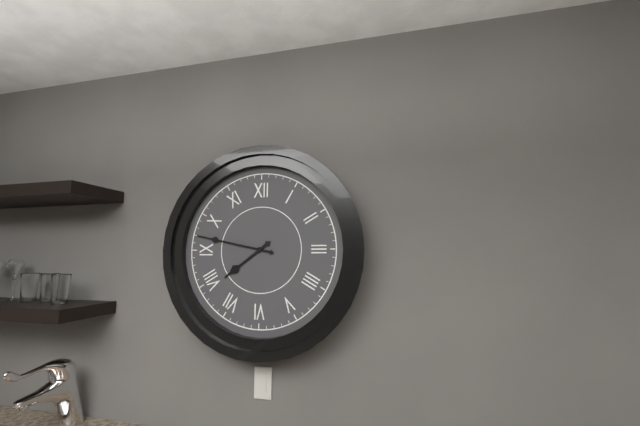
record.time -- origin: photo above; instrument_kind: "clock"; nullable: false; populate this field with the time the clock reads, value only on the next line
7:47
